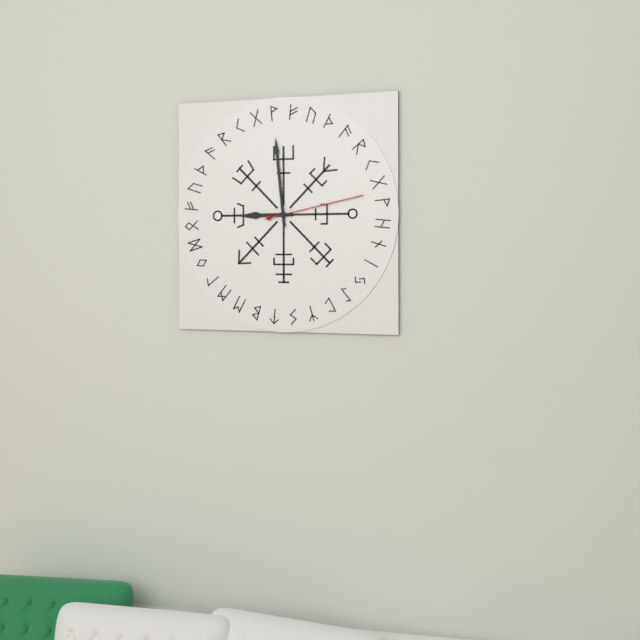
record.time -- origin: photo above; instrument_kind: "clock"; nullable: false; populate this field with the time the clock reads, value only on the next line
8:59:13
